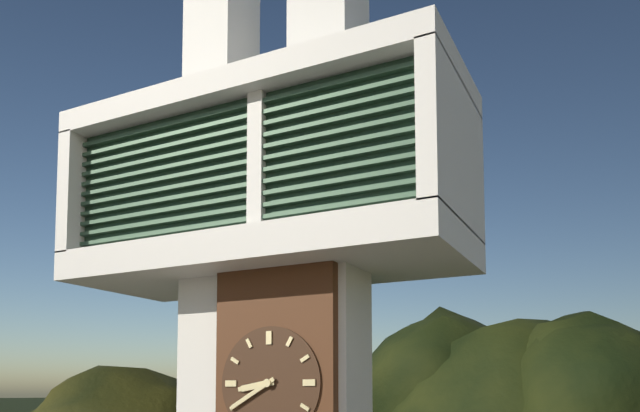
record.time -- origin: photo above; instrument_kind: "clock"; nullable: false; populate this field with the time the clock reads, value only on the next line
8:40
